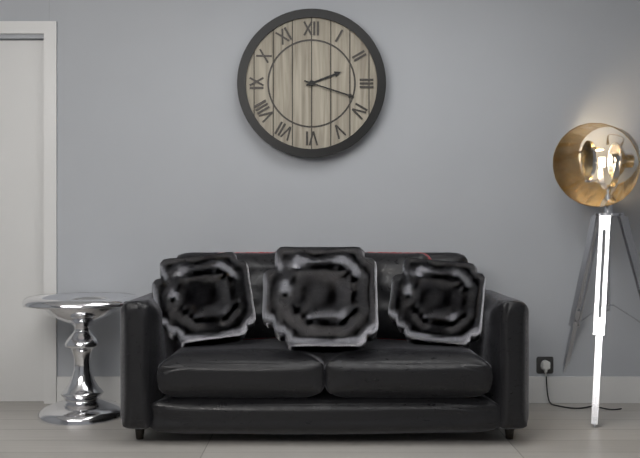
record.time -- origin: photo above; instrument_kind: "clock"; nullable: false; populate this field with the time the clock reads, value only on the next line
2:18
